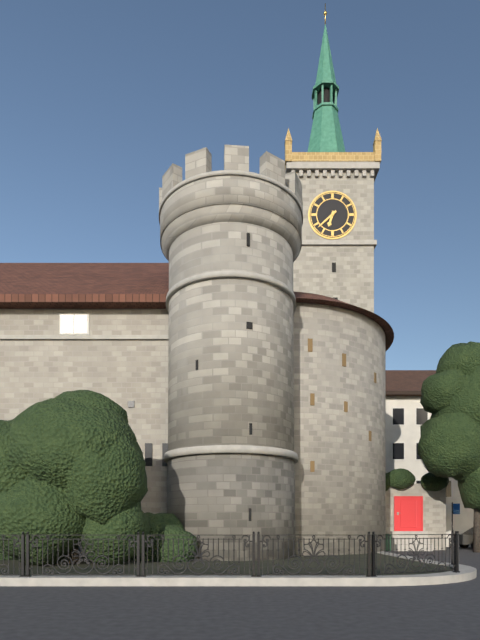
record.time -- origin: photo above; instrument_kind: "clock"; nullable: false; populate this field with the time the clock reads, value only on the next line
6:38
